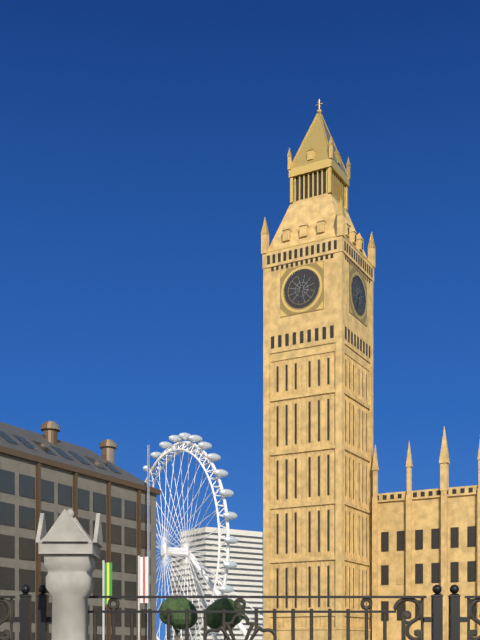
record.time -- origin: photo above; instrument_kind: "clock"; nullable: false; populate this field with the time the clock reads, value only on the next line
6:33
